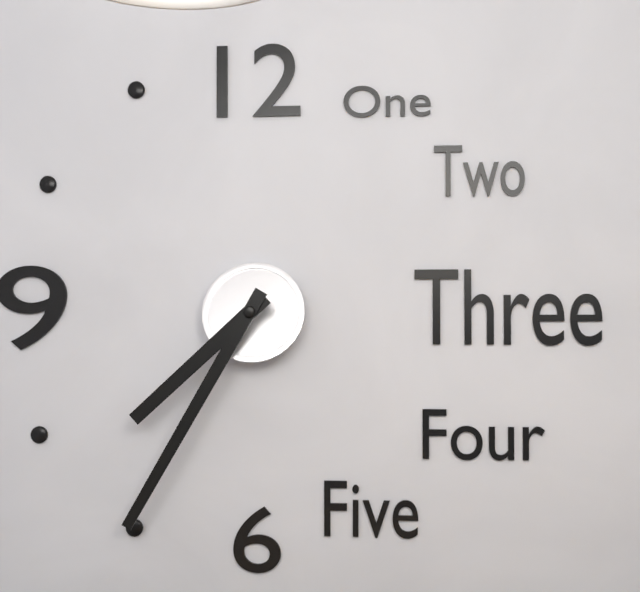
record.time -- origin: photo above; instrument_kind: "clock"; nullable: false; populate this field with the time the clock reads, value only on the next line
7:35
